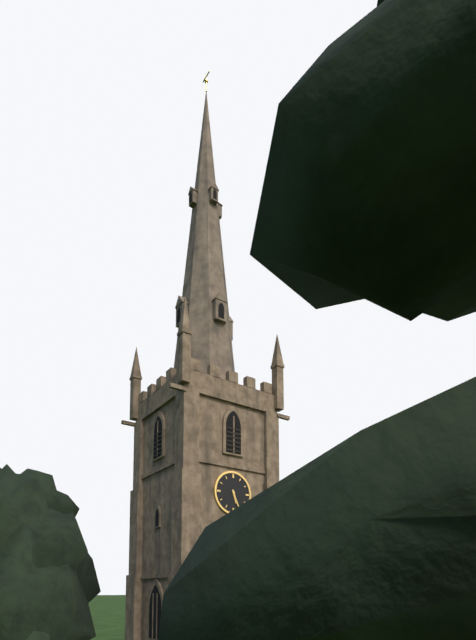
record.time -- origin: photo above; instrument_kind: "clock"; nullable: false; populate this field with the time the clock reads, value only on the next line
5:26
